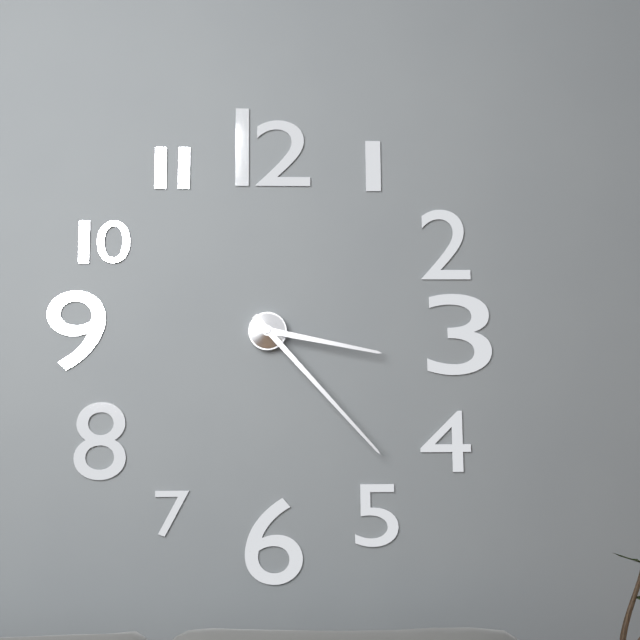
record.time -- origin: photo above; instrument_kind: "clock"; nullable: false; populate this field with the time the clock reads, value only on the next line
3:23
